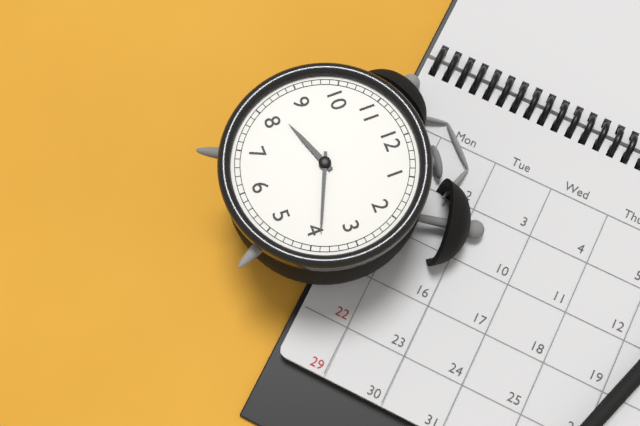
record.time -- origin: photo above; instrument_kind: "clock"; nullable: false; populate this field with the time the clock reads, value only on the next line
8:19
